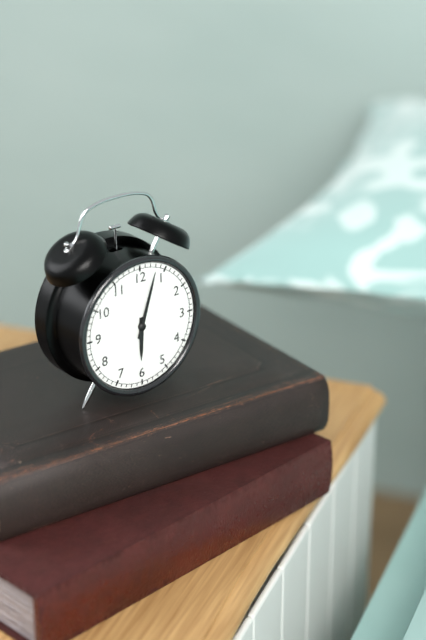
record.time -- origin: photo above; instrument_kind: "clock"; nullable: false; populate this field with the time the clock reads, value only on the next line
6:03
